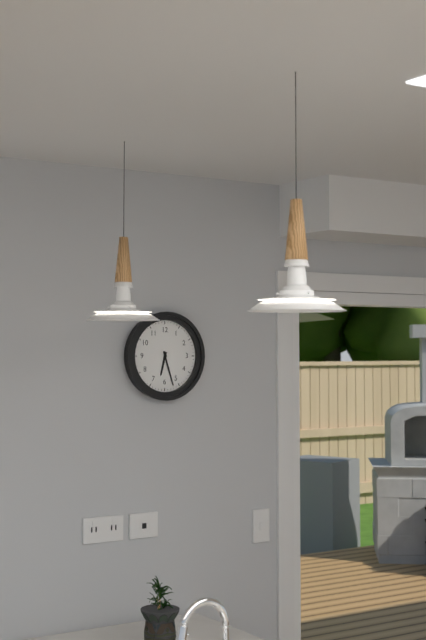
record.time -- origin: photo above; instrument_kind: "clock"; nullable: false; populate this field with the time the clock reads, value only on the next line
6:27
